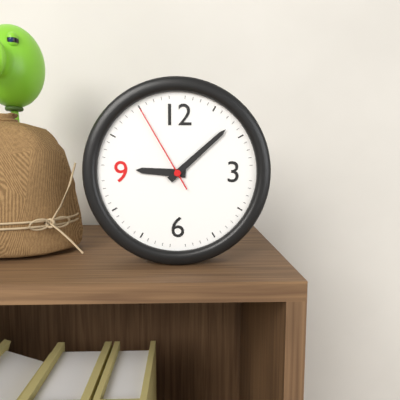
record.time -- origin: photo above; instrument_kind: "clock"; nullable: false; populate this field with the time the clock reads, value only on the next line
9:08:55
